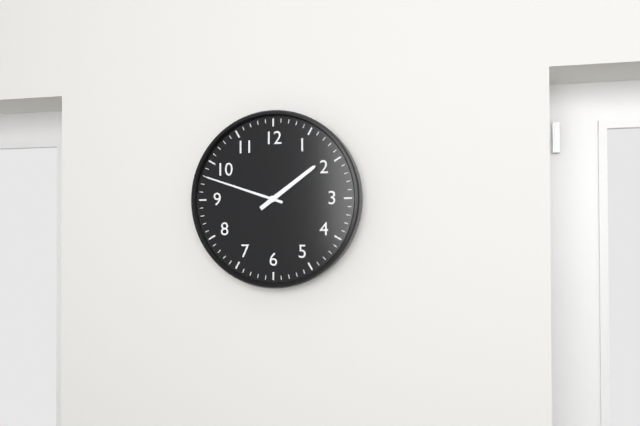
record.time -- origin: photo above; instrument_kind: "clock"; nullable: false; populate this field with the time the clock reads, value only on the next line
1:48
